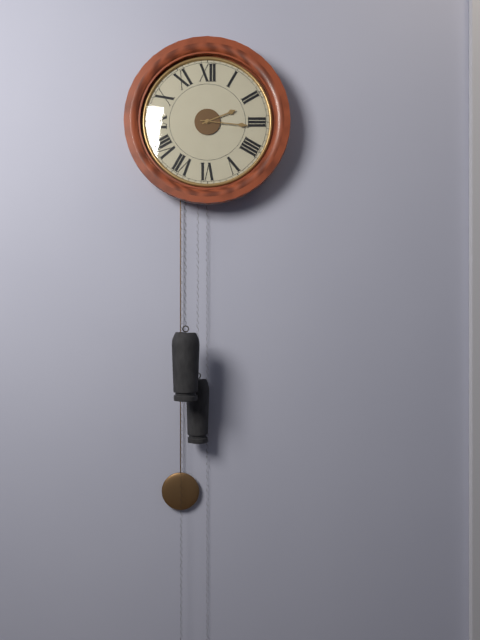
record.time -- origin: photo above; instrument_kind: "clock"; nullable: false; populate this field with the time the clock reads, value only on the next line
2:16
